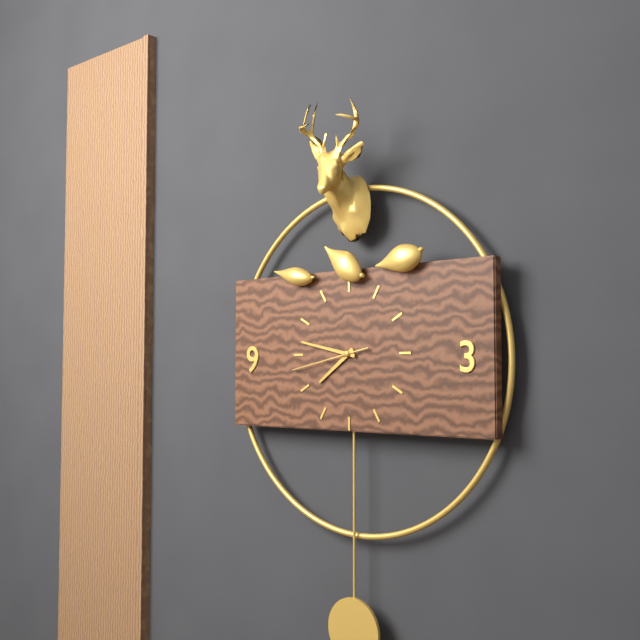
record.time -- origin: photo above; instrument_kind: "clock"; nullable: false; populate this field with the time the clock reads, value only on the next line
7:47:43
